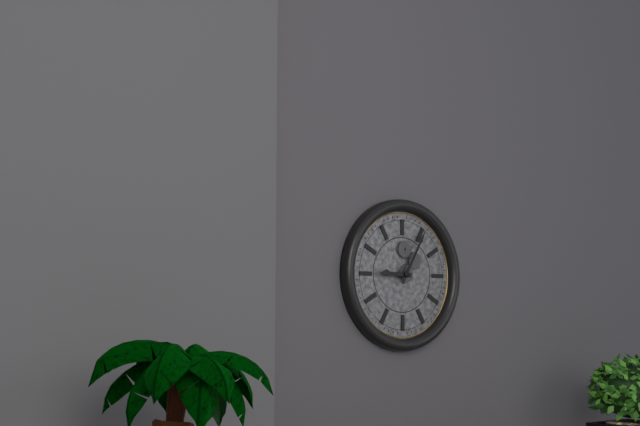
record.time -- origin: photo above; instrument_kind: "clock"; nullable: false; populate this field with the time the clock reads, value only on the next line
9:05
